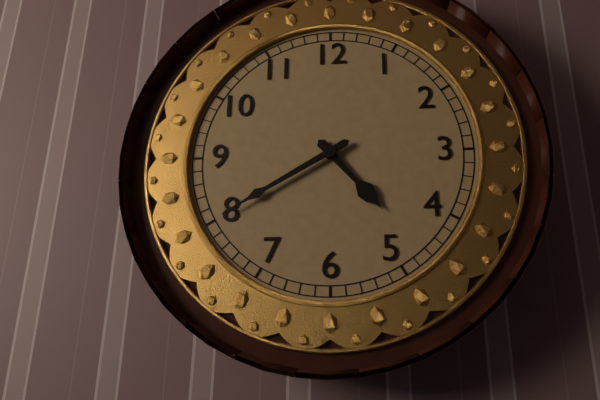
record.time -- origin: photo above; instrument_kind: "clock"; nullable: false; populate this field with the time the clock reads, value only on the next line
4:40
